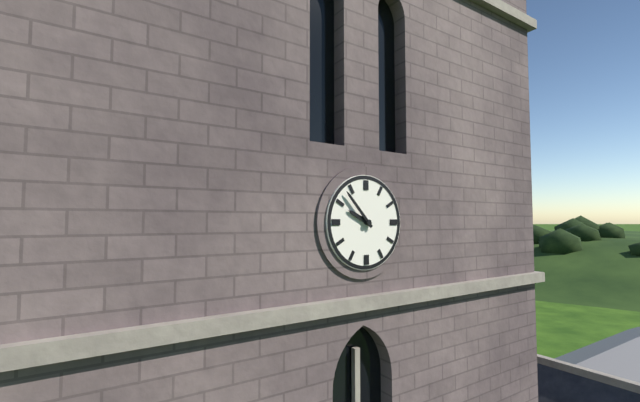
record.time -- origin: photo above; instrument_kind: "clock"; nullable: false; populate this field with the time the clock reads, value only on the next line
9:53
